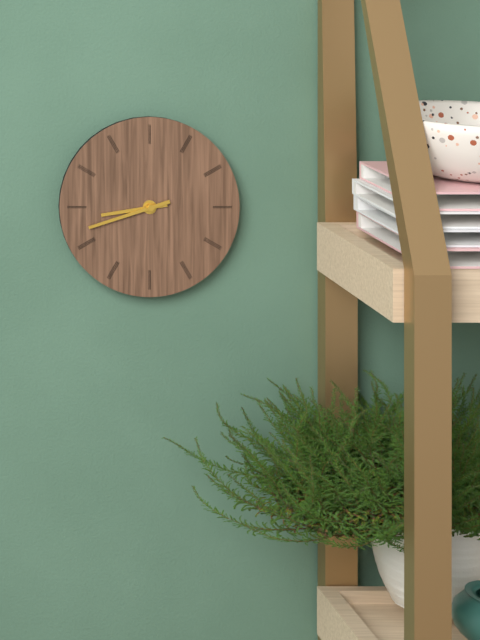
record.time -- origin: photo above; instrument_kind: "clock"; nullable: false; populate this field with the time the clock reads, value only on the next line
8:42
